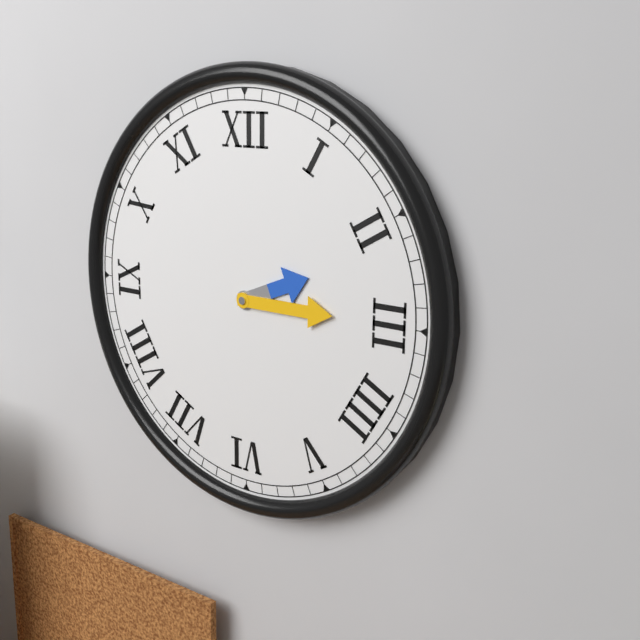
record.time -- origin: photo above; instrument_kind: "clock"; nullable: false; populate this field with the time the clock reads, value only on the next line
2:15
